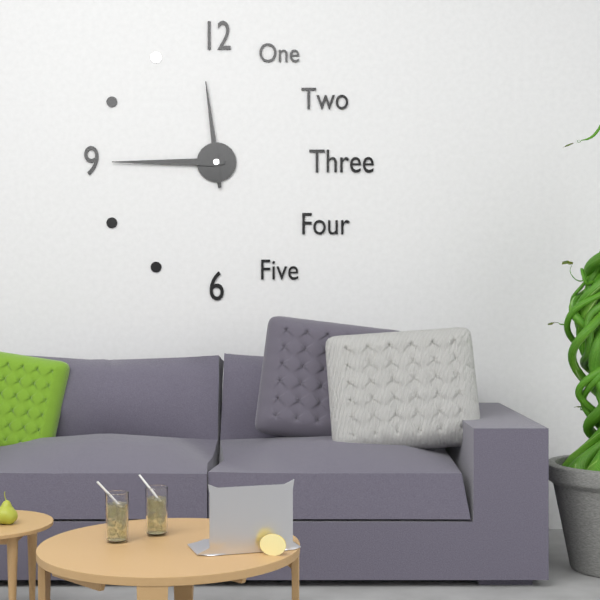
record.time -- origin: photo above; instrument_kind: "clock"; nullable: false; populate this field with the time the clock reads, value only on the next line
11:45
